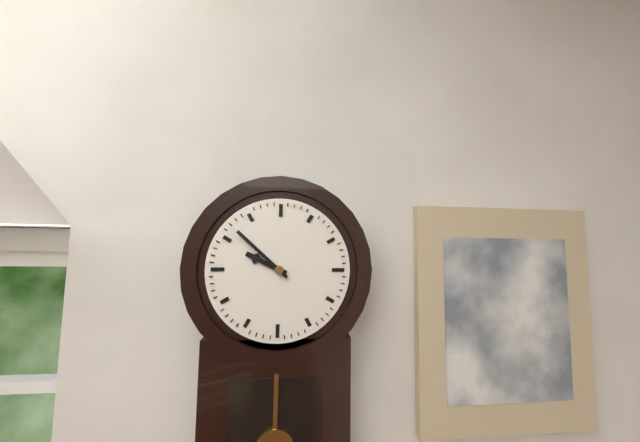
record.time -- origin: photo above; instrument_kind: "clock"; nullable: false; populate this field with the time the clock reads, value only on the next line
9:52
